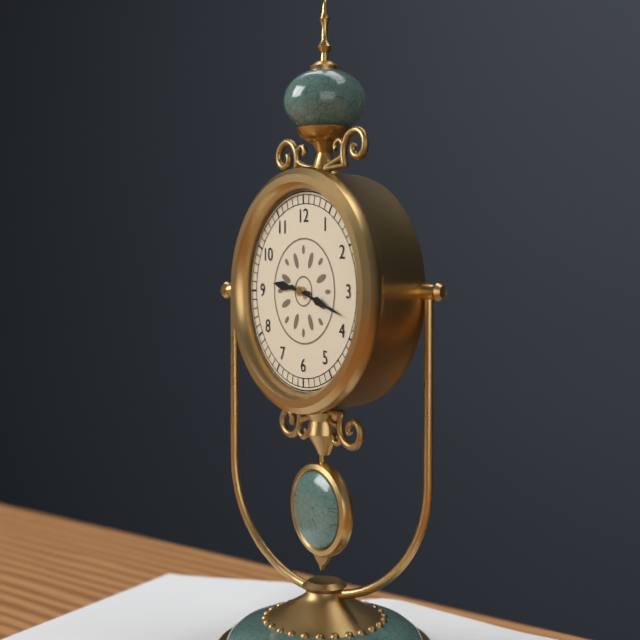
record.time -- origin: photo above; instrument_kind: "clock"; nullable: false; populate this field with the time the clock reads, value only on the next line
9:18
